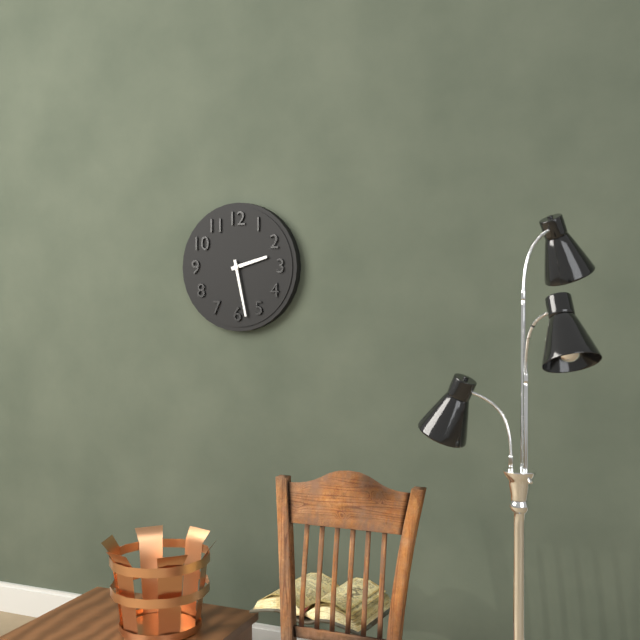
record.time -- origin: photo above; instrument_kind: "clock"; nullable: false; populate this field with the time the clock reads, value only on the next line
2:28
